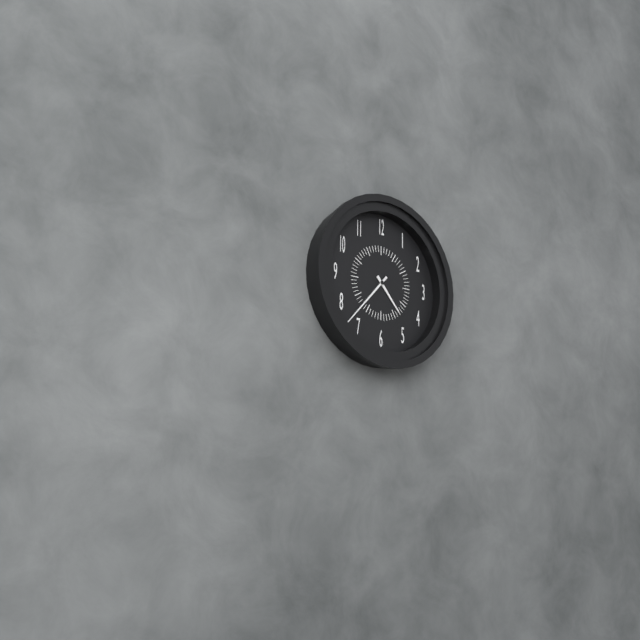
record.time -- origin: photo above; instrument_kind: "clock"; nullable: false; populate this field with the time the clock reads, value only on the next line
4:37
